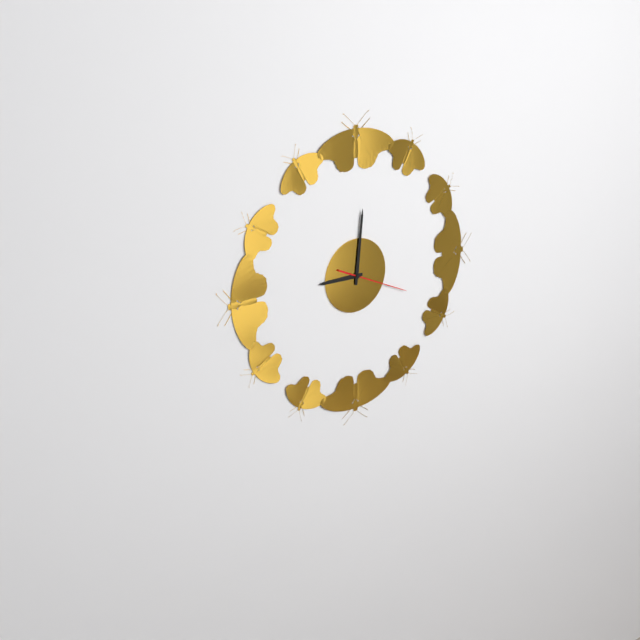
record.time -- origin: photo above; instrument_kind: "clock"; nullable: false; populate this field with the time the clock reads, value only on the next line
9:01:19
